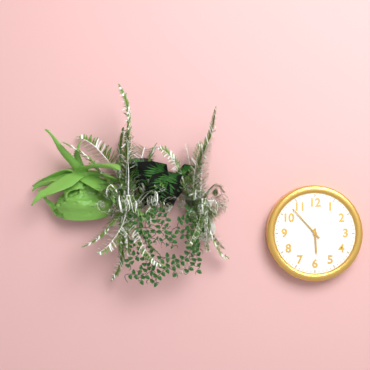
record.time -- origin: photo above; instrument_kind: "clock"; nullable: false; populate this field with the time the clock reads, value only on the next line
5:53
